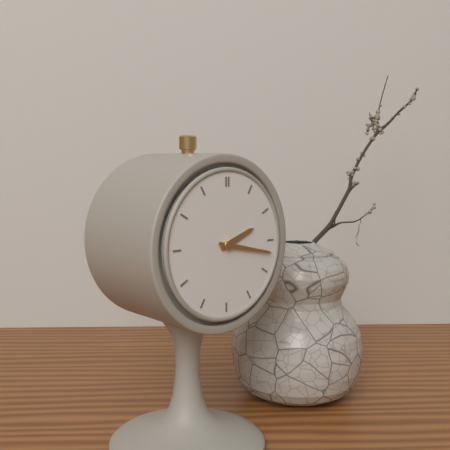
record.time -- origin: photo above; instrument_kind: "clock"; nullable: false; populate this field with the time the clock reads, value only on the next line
2:17
